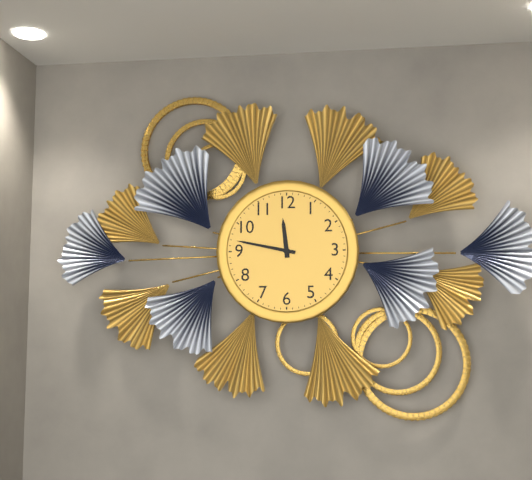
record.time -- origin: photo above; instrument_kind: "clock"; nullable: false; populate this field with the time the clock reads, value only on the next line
11:47
